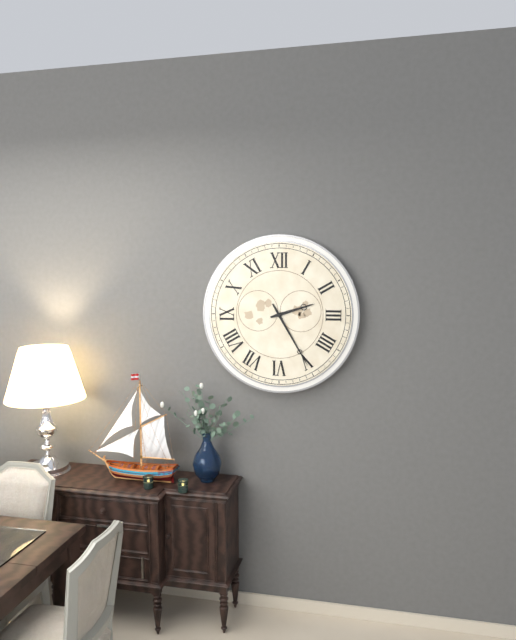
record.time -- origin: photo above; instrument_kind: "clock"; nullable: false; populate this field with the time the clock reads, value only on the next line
2:25
